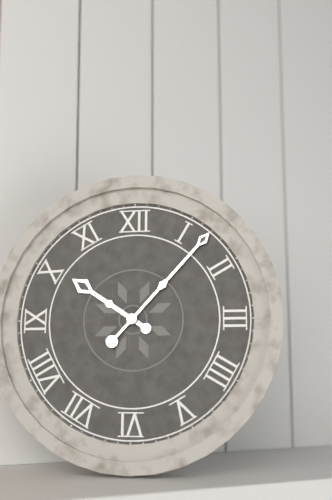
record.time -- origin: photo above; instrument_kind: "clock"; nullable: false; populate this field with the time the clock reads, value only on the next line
10:07
